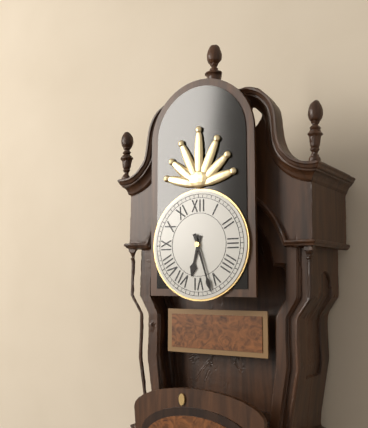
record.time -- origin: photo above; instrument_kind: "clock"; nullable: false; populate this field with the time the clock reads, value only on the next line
6:27
